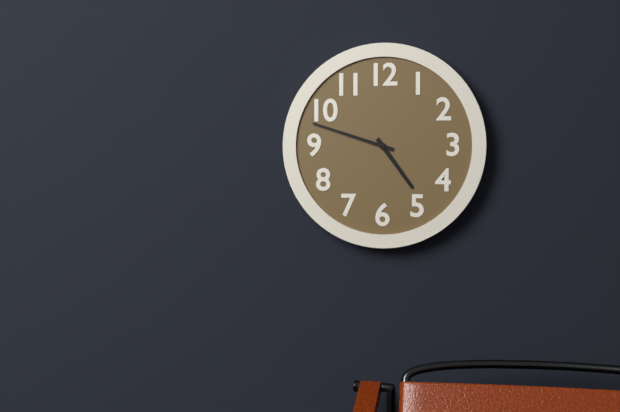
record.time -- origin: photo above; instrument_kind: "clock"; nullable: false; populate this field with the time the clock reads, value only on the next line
4:48
